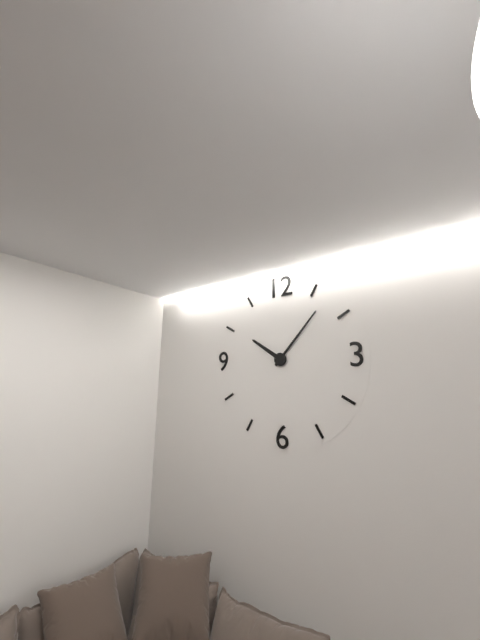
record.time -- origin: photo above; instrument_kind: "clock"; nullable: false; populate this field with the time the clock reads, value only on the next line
10:07
